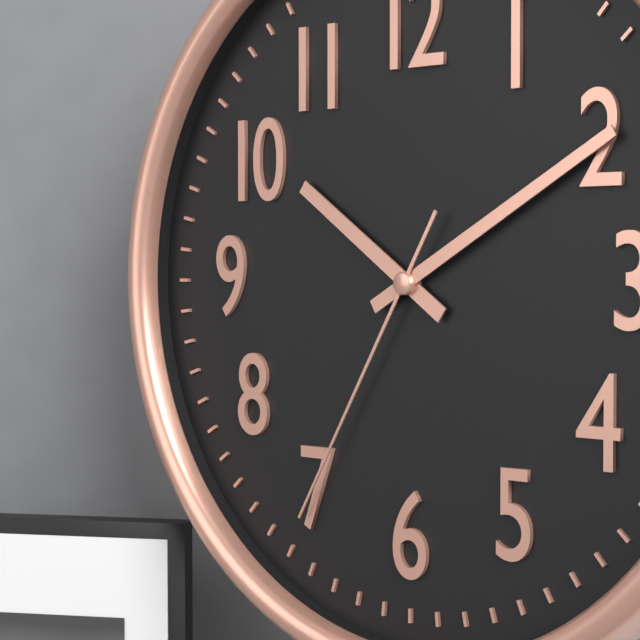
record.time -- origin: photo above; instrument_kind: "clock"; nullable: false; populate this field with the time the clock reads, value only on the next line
10:10:35
